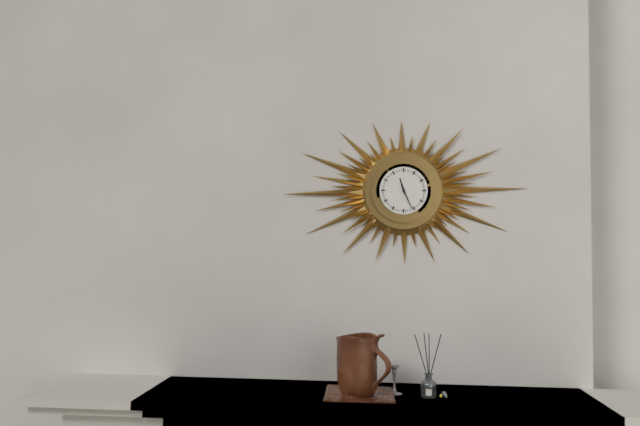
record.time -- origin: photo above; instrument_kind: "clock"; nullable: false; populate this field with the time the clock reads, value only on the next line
11:26
